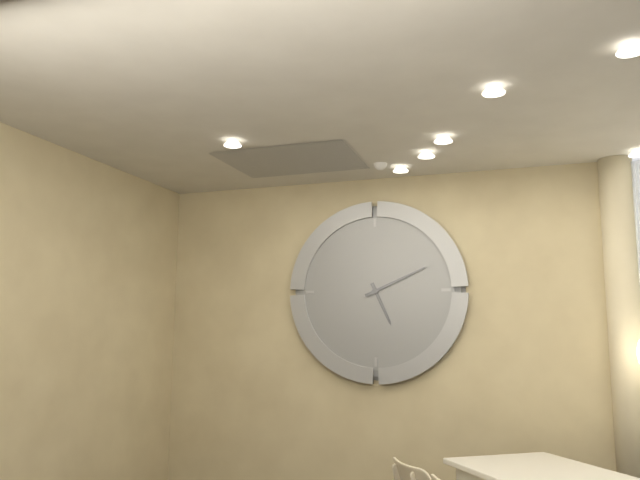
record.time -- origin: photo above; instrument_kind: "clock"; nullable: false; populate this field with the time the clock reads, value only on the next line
5:11
